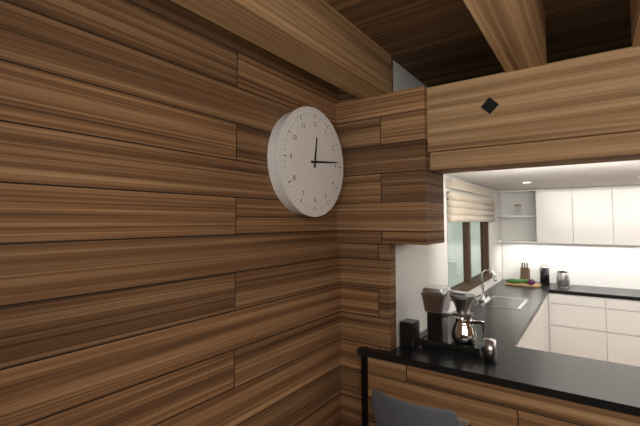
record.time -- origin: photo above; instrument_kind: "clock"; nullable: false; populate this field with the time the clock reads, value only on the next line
12:14
